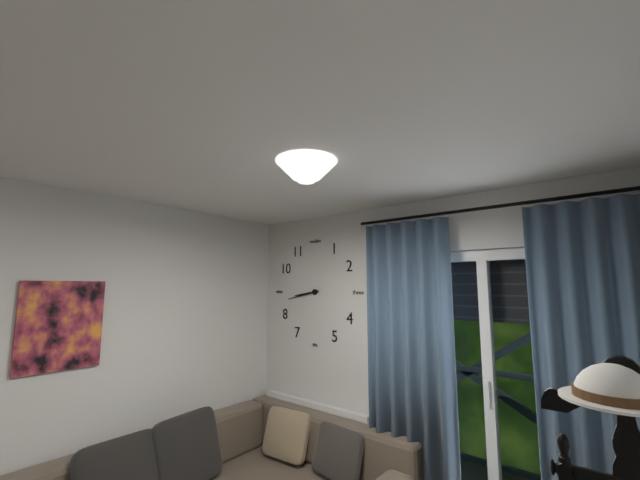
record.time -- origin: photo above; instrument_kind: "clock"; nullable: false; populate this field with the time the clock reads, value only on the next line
8:43
